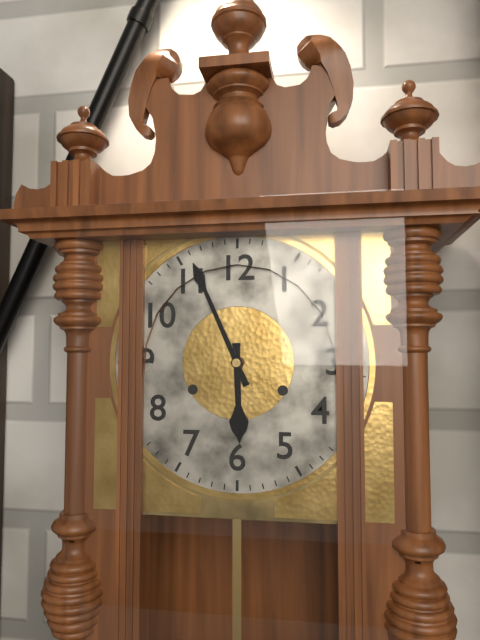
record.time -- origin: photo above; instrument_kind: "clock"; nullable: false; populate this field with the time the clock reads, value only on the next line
5:56
